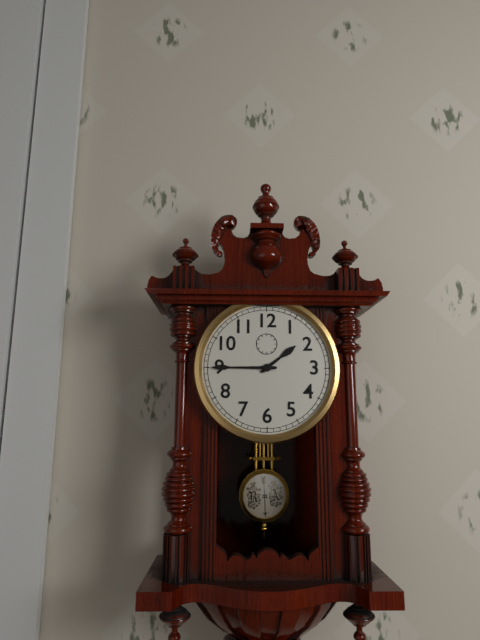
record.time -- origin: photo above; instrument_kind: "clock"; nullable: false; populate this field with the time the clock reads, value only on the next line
1:45
